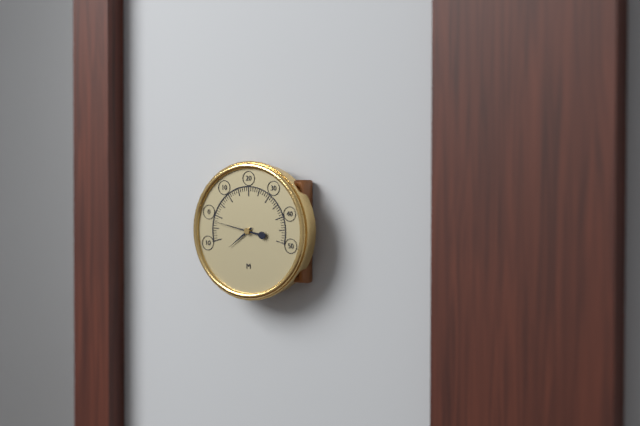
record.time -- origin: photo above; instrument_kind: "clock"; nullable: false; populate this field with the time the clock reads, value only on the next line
7:47
